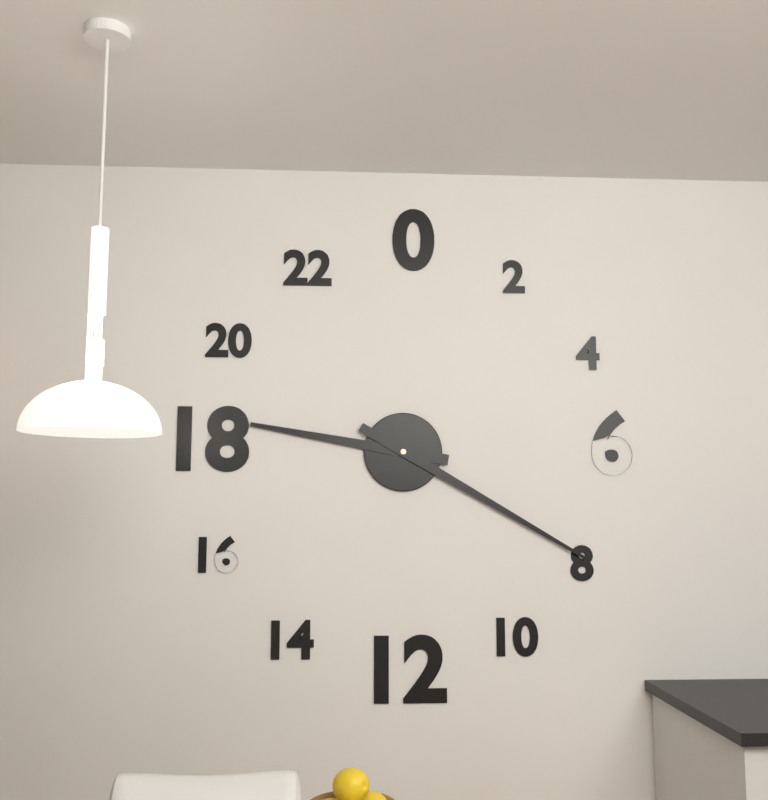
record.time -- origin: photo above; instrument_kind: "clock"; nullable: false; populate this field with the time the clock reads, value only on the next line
9:20
